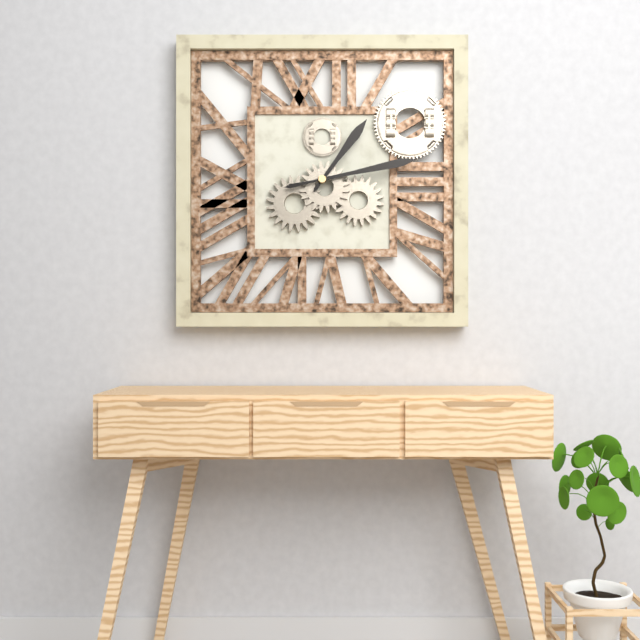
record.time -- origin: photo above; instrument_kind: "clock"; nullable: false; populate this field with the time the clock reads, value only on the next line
1:13
